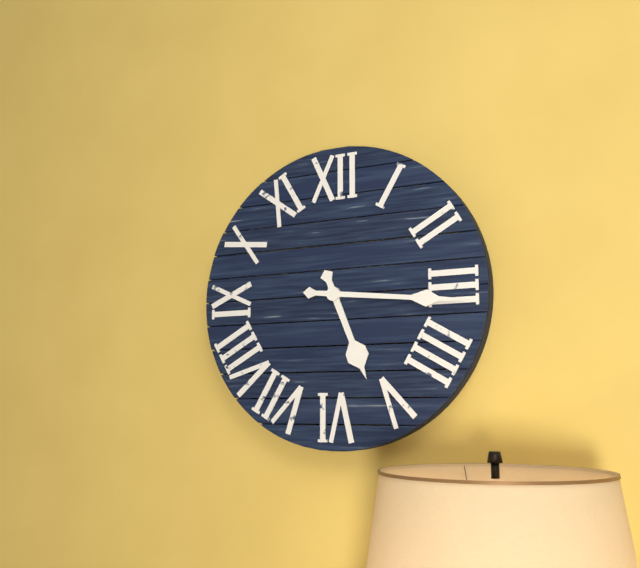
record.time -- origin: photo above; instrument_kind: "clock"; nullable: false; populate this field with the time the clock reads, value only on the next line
5:16
